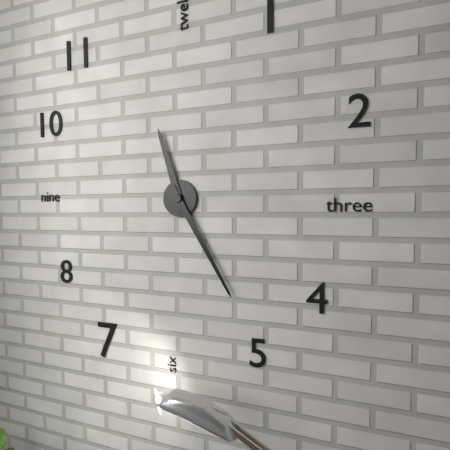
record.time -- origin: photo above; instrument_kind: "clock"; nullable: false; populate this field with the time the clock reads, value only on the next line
11:25
